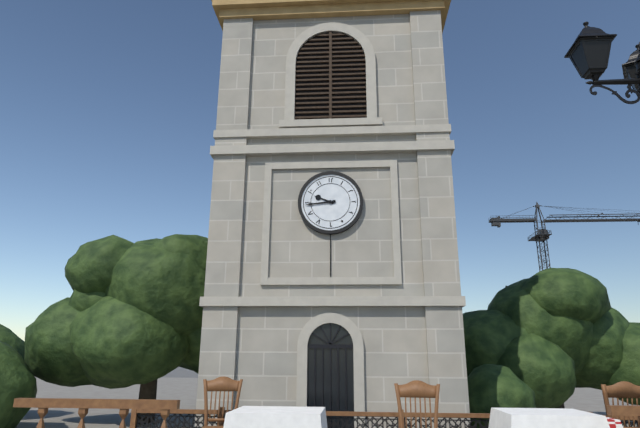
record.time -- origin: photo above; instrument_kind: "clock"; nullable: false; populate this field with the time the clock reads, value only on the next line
9:44
